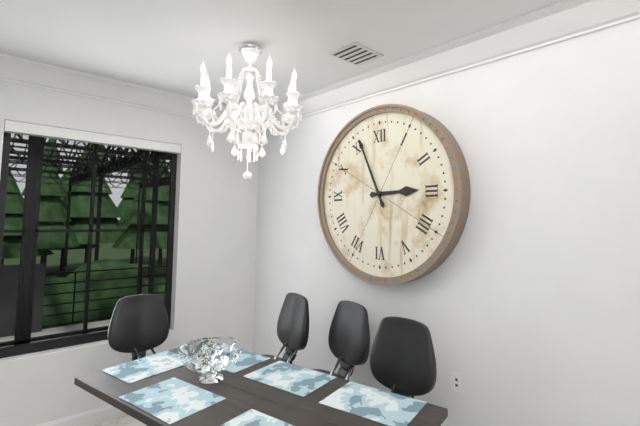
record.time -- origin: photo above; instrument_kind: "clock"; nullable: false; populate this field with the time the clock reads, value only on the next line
2:56
